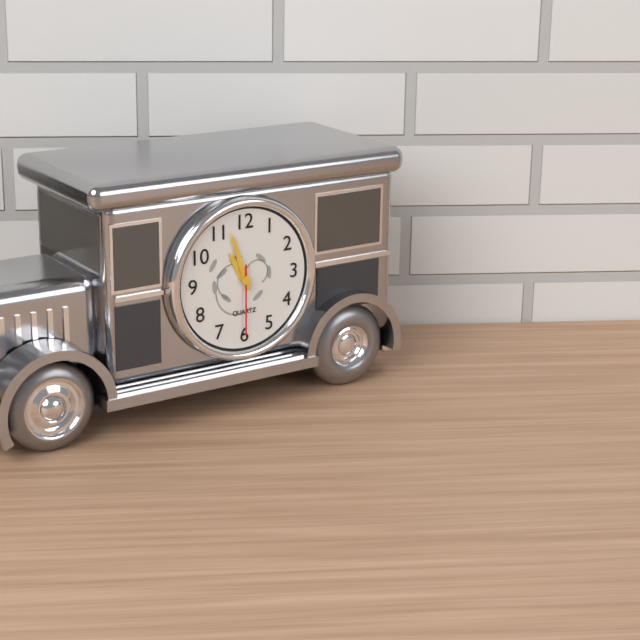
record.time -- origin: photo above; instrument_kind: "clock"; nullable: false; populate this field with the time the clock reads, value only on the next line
10:57:30
